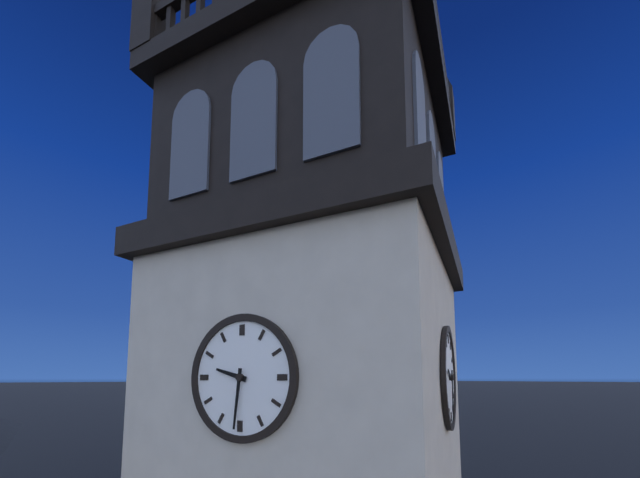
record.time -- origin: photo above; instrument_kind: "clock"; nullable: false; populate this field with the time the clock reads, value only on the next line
9:31
